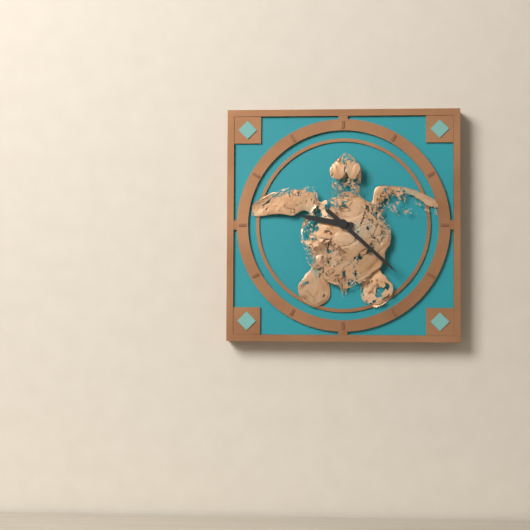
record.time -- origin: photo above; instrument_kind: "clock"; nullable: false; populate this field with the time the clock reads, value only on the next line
9:22
